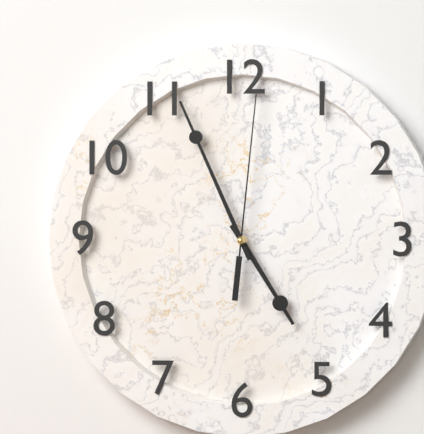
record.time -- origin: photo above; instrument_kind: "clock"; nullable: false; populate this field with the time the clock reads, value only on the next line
4:56:01
